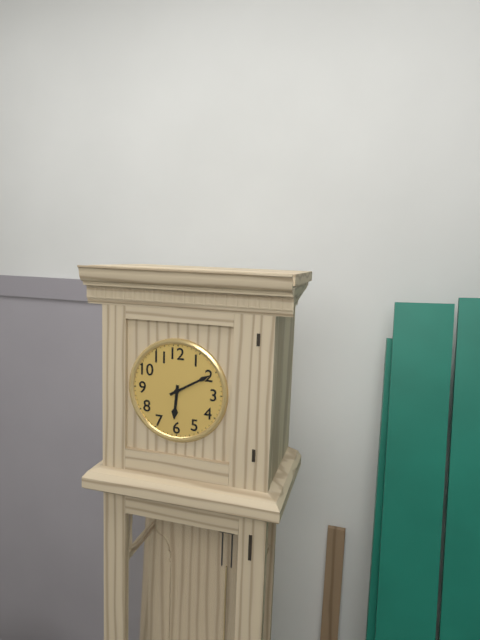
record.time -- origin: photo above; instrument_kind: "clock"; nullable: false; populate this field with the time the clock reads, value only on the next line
6:10
